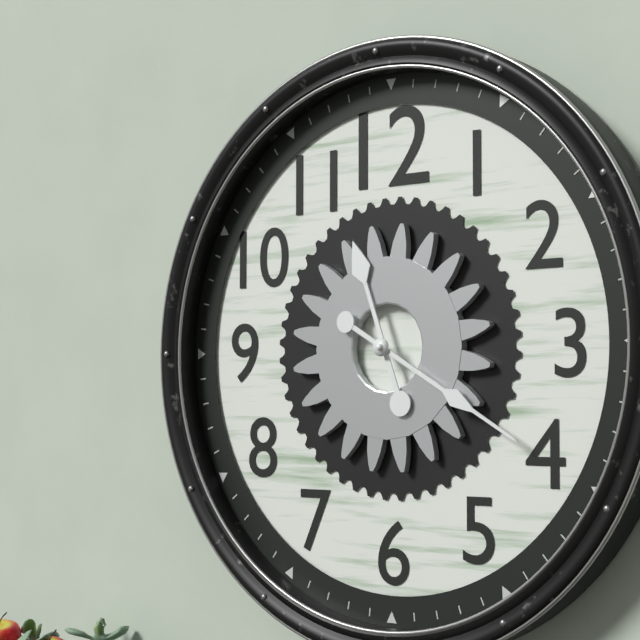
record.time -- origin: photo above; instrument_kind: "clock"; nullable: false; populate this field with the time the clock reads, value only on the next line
11:20
